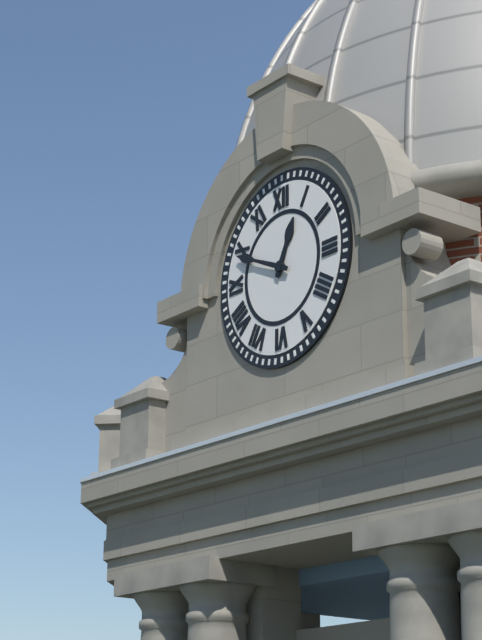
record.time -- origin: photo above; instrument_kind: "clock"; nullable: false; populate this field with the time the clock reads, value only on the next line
12:49
